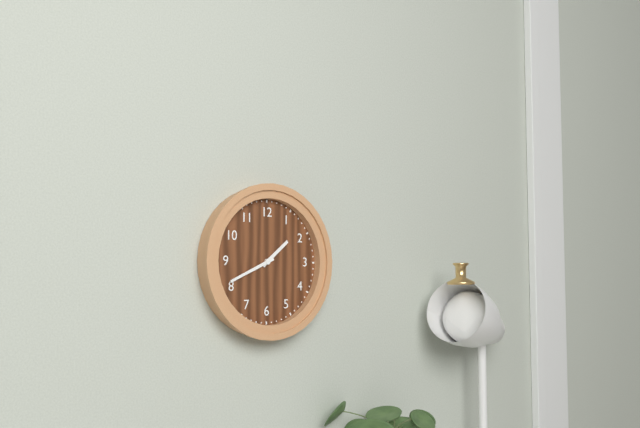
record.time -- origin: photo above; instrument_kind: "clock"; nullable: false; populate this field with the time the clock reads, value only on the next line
1:41
